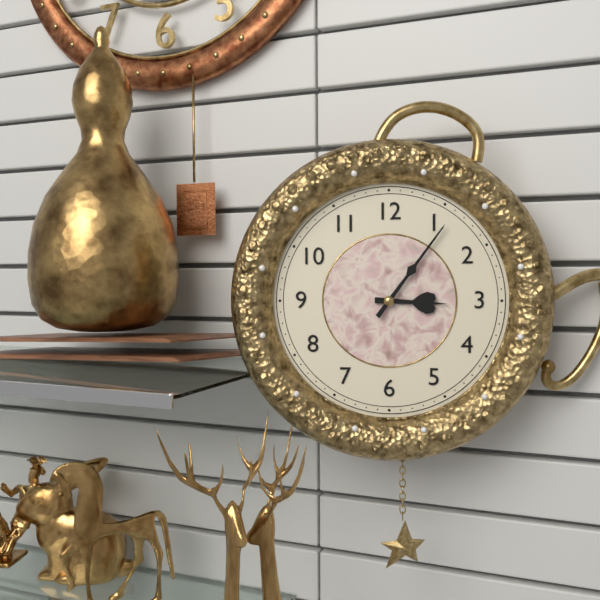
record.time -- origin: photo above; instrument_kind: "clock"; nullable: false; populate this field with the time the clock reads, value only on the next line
3:06
